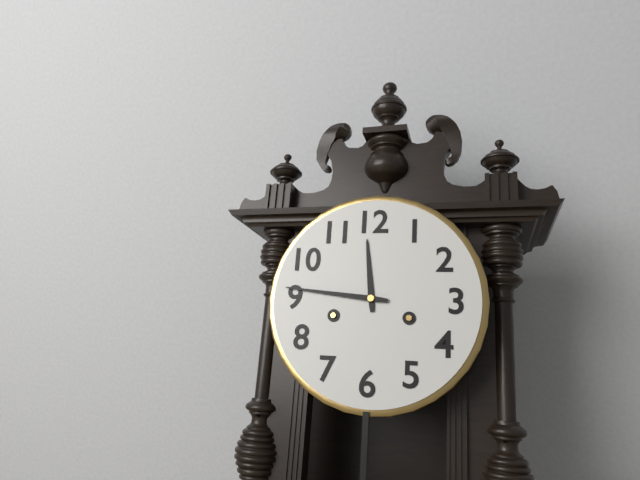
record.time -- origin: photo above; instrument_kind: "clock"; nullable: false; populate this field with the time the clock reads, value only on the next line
11:46
